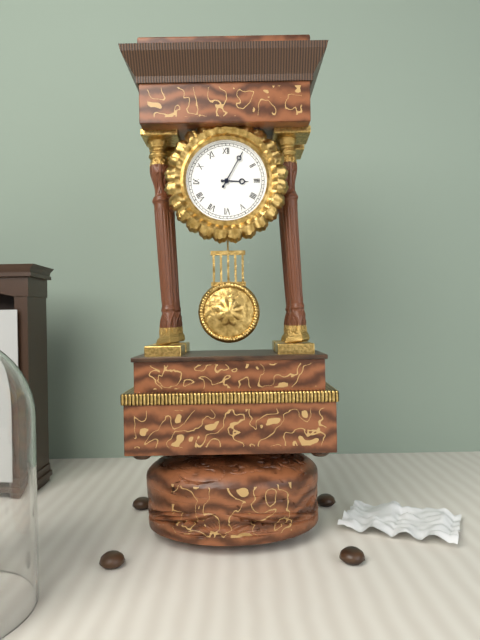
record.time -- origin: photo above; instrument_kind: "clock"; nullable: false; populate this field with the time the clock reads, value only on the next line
3:05
